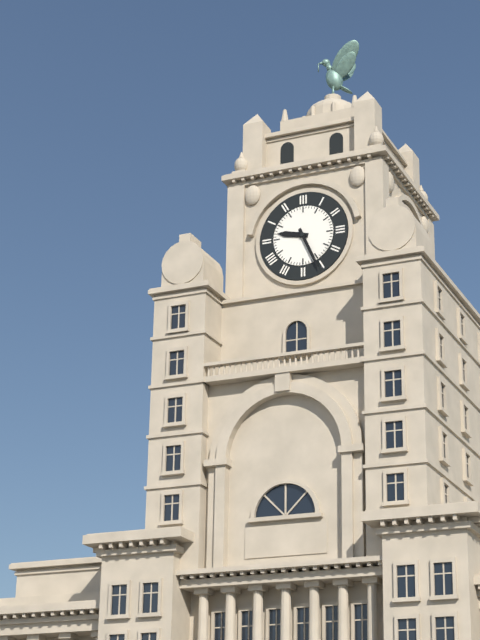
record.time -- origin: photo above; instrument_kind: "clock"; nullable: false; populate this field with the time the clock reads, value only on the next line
9:26
